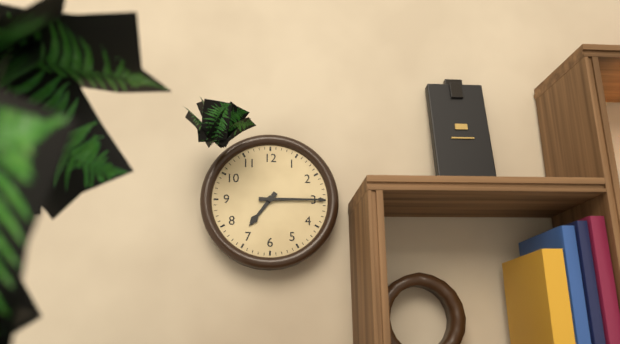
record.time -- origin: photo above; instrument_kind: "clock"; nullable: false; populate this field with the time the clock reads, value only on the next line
7:15
